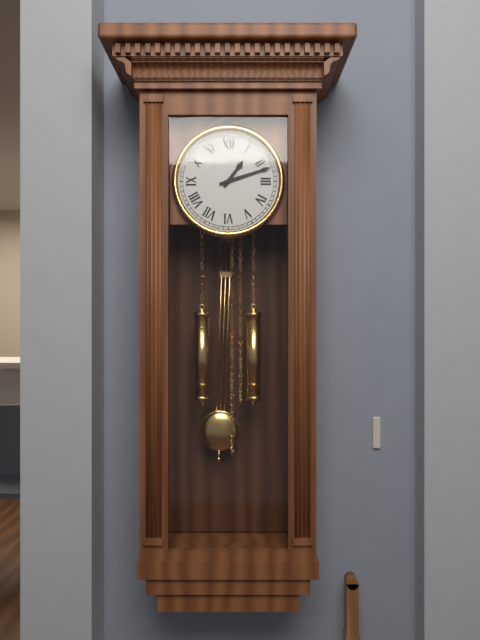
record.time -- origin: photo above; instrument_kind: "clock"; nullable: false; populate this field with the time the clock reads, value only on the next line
1:12
